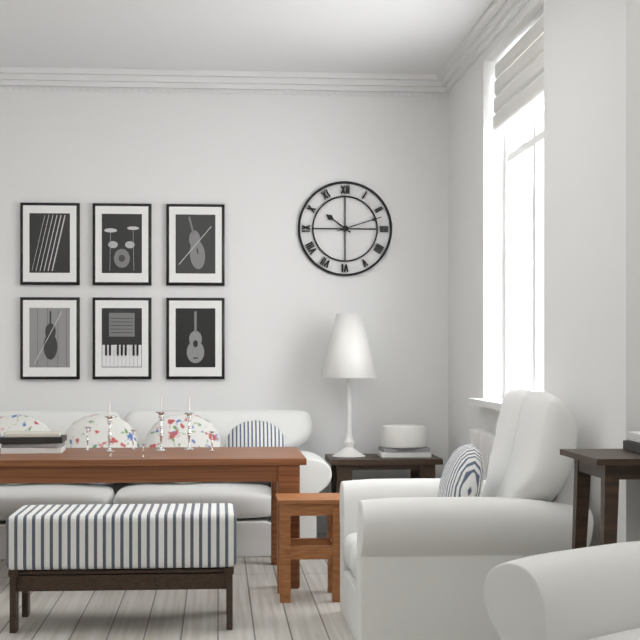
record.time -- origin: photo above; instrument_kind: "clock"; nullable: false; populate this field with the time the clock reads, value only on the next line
10:12
